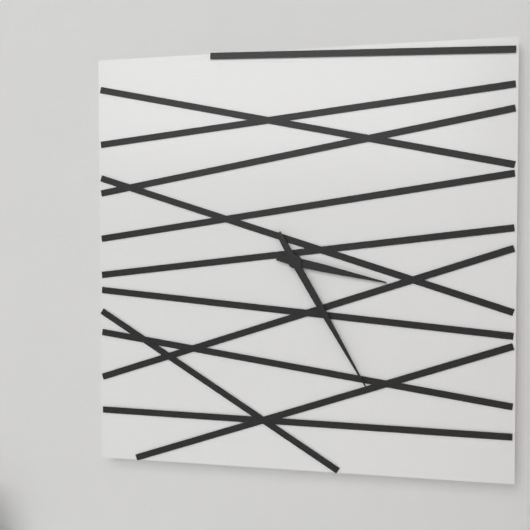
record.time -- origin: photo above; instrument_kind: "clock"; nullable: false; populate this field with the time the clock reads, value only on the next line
3:25
